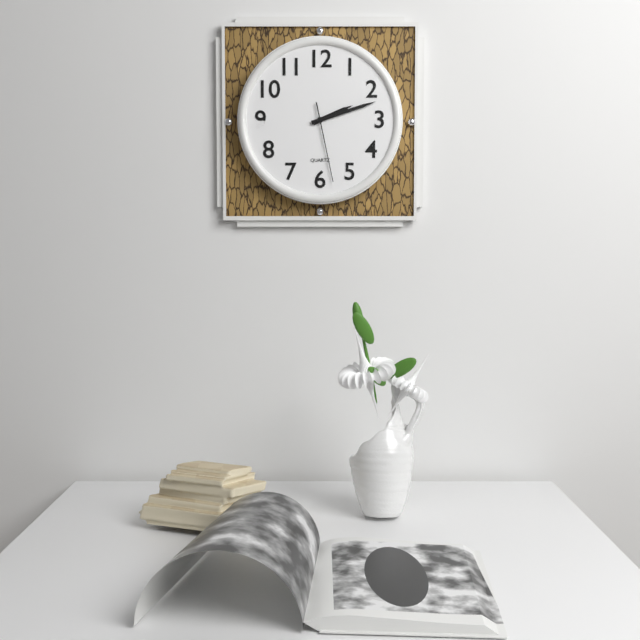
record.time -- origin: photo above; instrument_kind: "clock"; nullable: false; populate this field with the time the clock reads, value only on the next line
2:12:28
